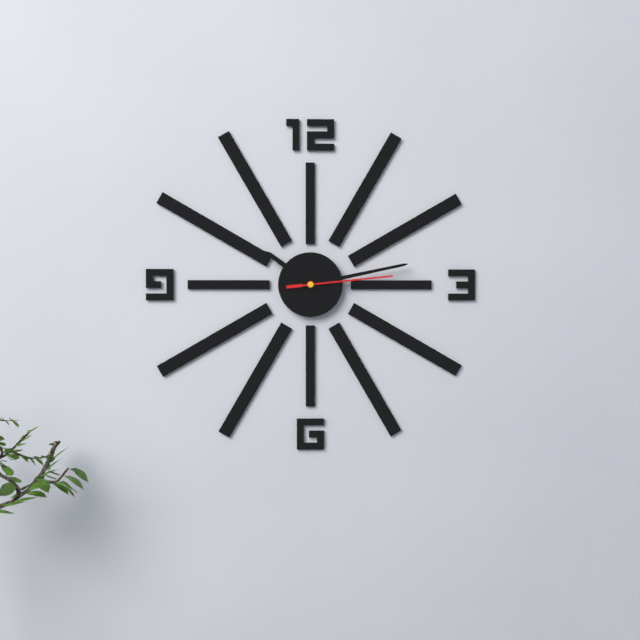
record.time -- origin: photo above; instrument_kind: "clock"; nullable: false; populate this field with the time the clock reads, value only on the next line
10:13:14
